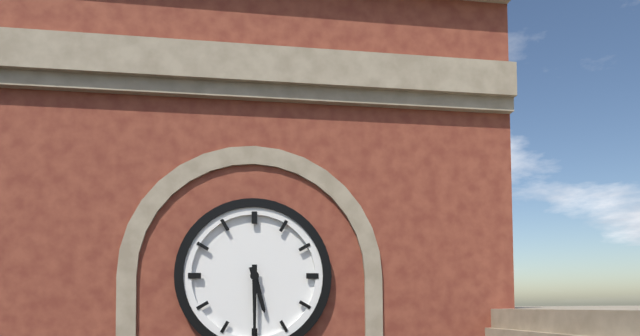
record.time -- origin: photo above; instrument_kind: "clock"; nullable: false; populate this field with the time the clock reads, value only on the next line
5:30
